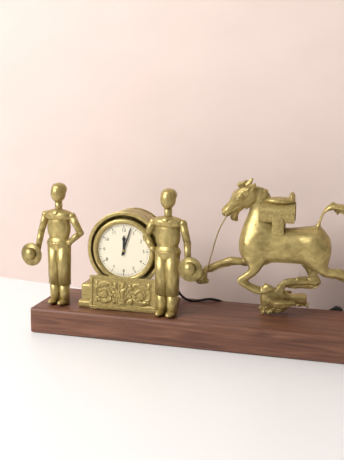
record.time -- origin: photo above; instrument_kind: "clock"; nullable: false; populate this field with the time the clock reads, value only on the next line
12:03
